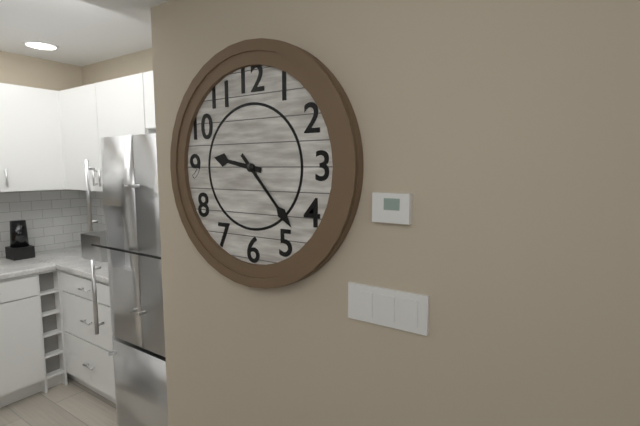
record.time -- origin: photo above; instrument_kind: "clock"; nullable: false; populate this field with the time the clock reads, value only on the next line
9:23
